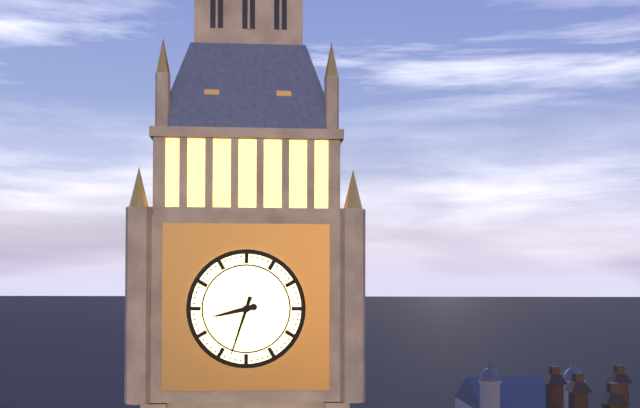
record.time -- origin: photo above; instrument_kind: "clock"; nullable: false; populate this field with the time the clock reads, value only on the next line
8:33
